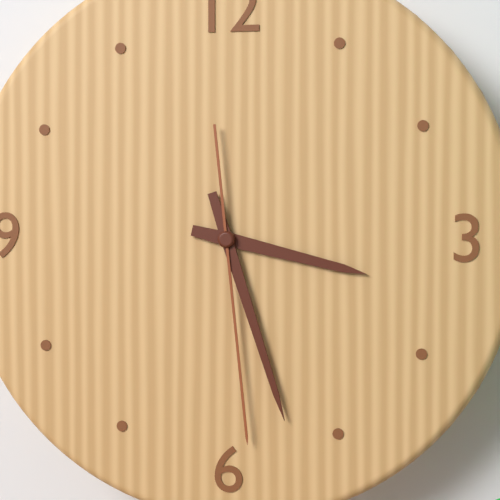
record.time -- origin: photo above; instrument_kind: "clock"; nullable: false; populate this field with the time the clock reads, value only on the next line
3:27:29
